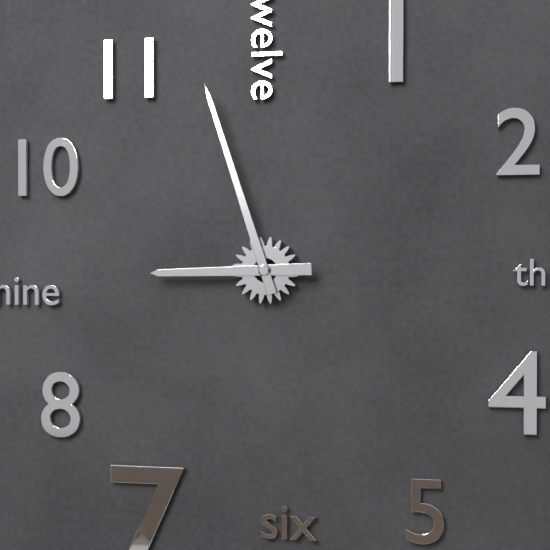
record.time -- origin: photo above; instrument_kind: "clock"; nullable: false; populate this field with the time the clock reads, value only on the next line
8:57
